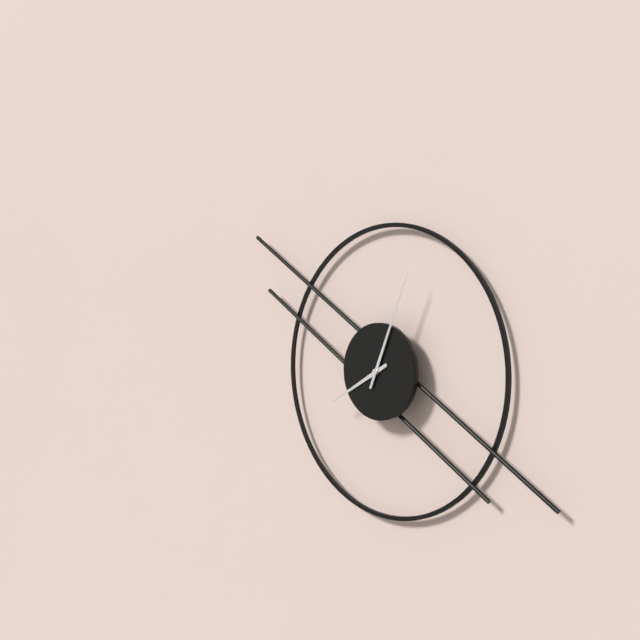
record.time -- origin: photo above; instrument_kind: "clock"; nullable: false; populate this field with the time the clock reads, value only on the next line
8:04
